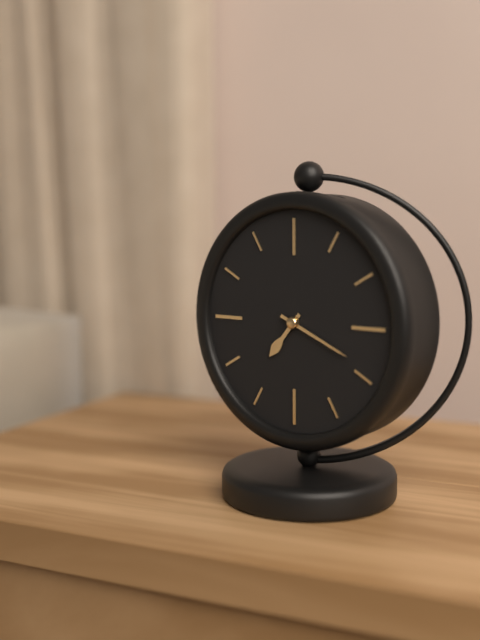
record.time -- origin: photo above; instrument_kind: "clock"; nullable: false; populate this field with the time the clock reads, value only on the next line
7:19
